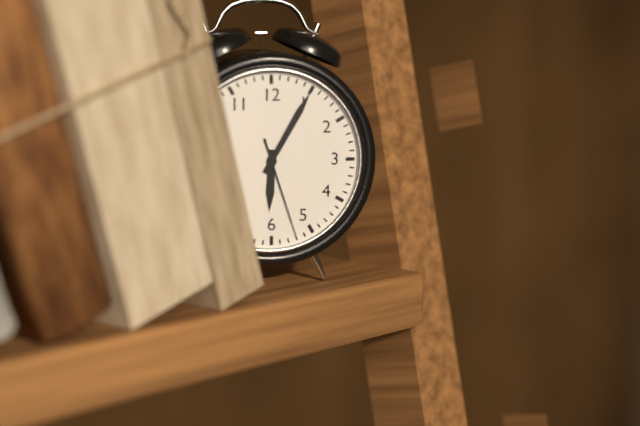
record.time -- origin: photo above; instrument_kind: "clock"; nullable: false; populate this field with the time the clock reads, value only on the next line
6:05:27
